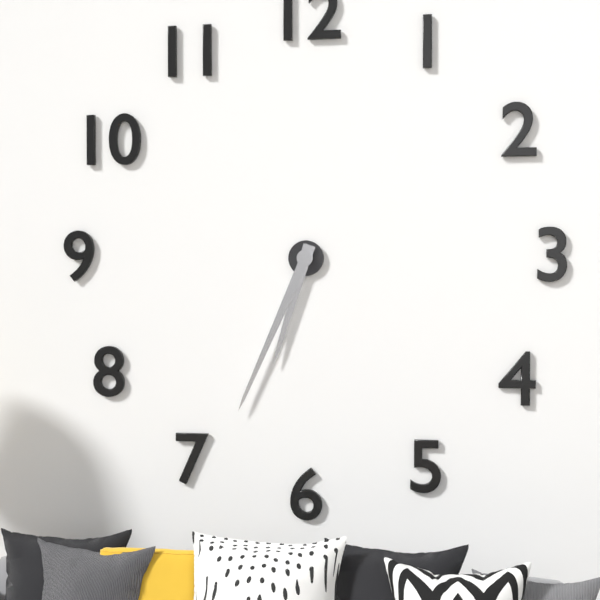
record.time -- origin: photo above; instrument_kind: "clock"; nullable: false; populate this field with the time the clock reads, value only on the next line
6:34
